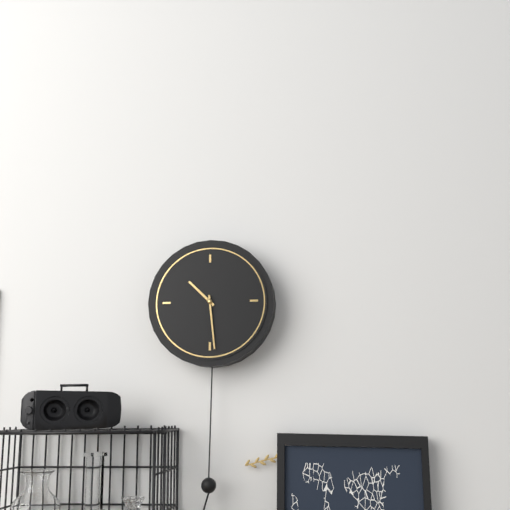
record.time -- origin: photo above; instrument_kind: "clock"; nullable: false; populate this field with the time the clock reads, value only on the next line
10:29
